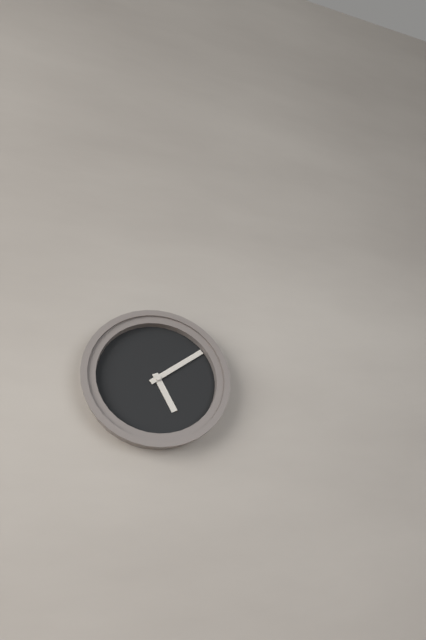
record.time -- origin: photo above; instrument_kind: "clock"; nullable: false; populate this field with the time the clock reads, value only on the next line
5:09
